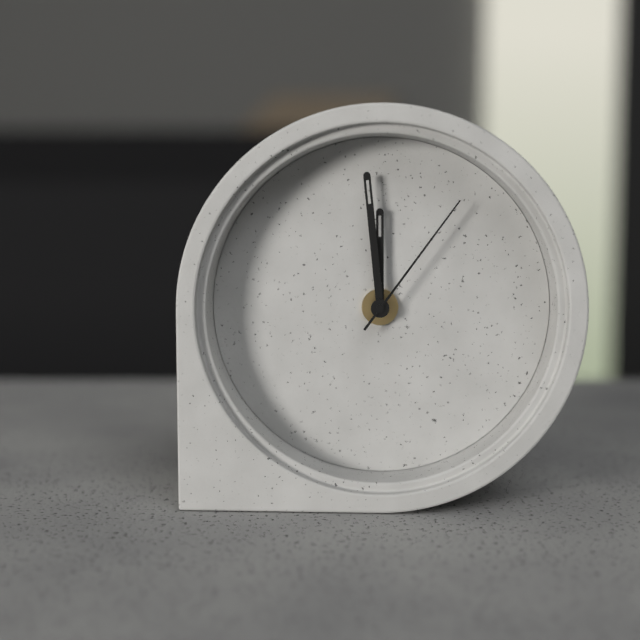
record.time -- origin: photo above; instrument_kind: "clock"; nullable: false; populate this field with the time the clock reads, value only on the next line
11:59:06
